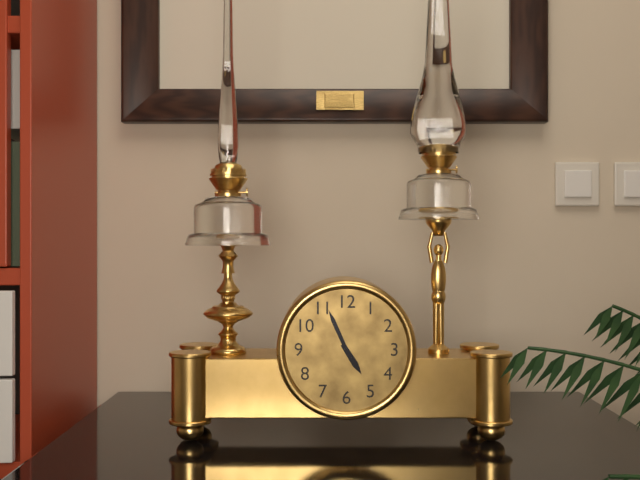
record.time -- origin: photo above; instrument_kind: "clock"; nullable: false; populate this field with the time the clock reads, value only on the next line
4:56
